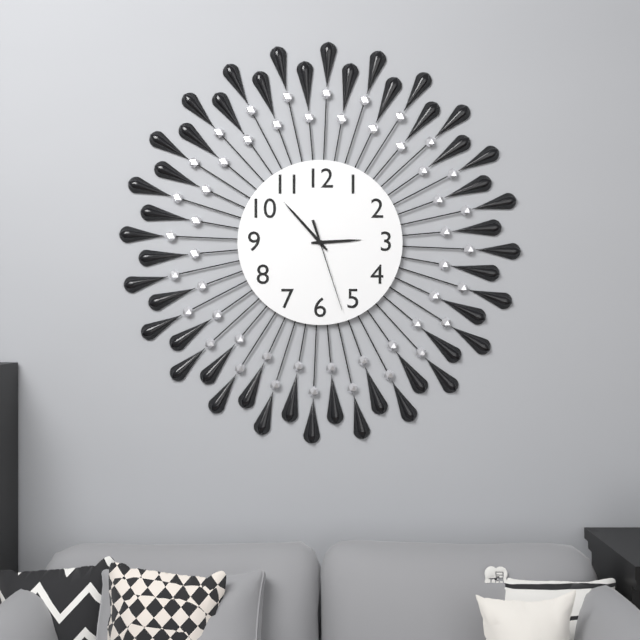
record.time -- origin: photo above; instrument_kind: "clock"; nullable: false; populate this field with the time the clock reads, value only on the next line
2:53:27
